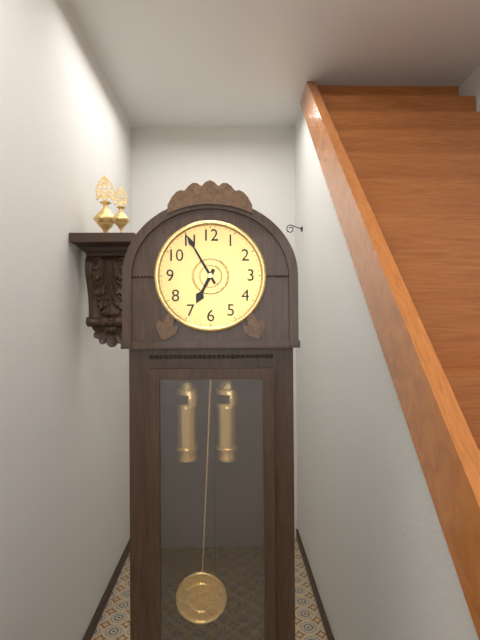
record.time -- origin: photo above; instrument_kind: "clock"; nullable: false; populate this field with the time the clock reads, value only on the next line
6:55
